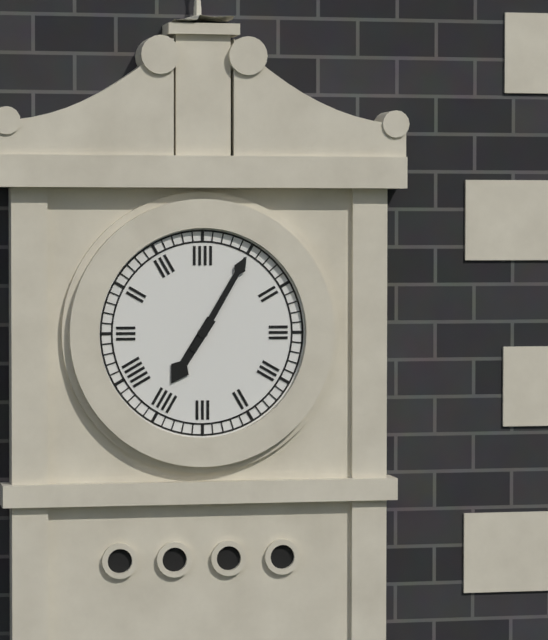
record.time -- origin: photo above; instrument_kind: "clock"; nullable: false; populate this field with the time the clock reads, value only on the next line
7:05
